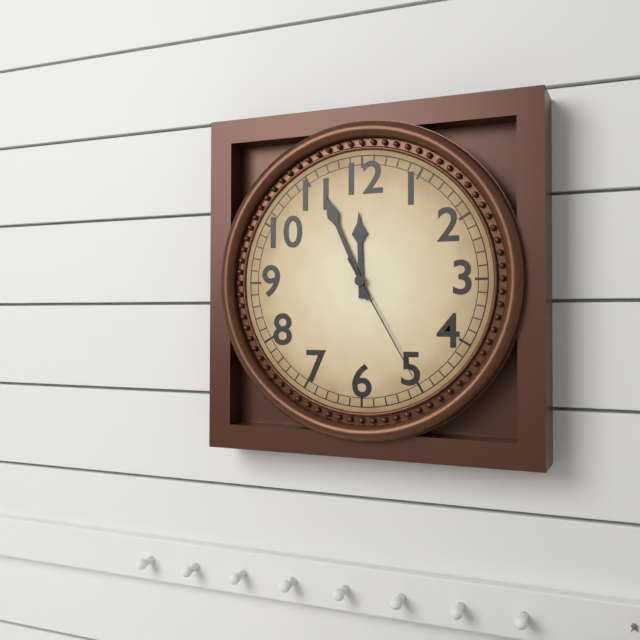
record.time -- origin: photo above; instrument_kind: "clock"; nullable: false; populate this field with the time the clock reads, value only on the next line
11:56:25
